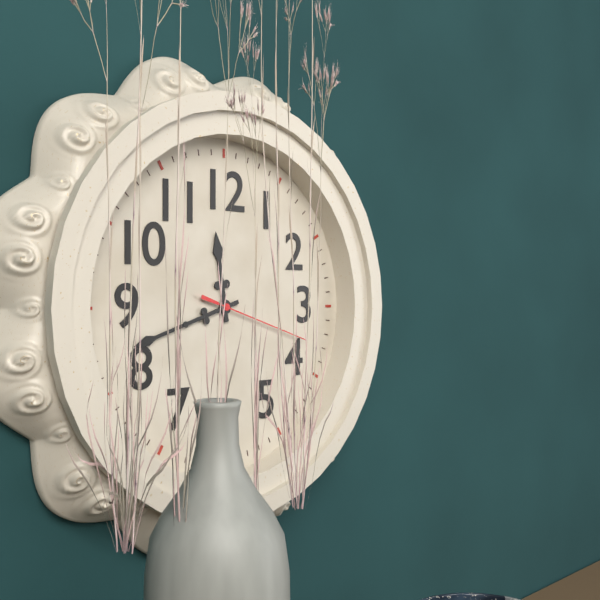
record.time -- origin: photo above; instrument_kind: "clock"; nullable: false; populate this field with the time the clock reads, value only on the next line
11:42:18
